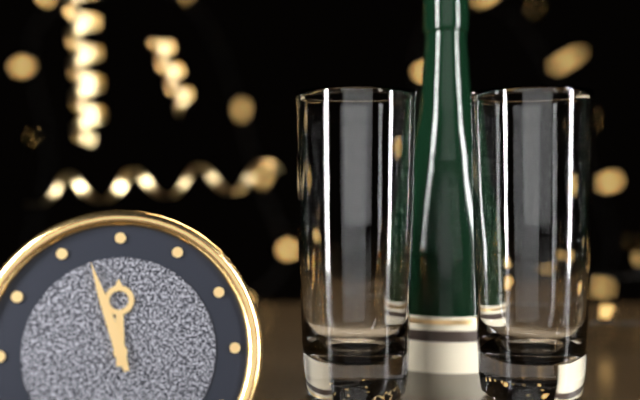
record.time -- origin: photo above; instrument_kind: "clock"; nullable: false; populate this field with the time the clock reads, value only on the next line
11:57
